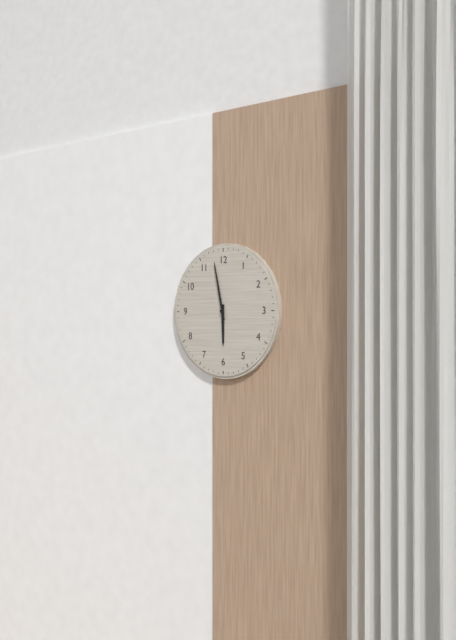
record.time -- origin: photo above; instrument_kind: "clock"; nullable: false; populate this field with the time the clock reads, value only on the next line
5:58
